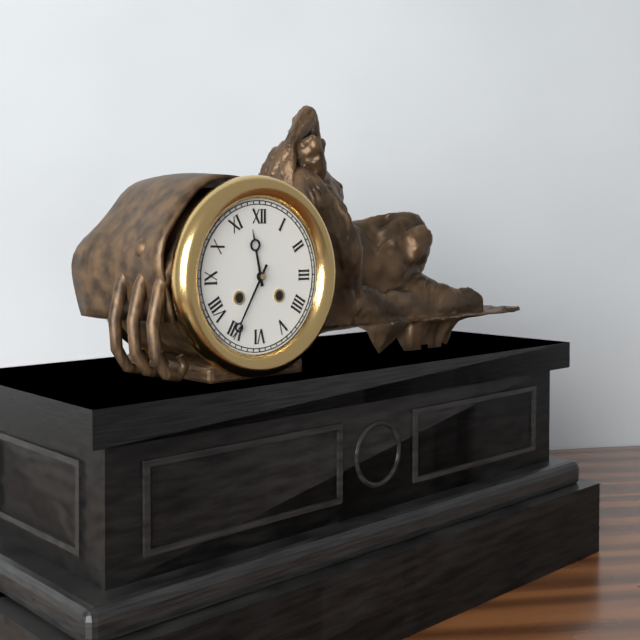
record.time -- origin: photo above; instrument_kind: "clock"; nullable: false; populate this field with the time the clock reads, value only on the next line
11:35
